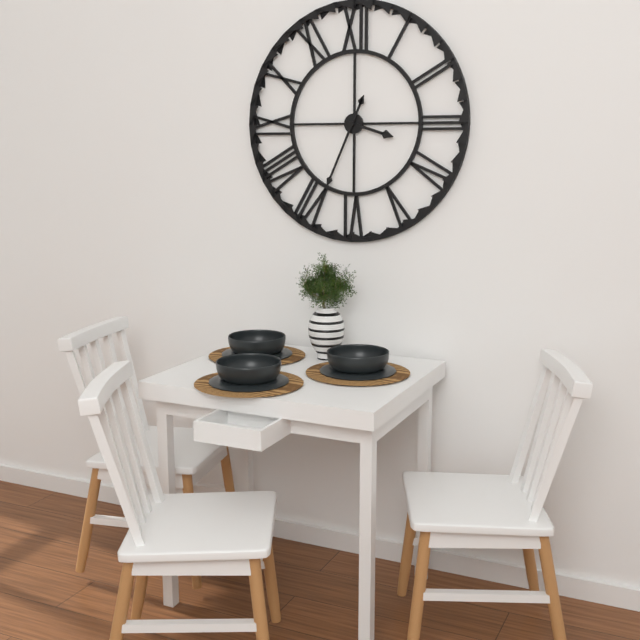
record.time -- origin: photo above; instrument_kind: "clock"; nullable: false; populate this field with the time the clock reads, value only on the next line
3:34
